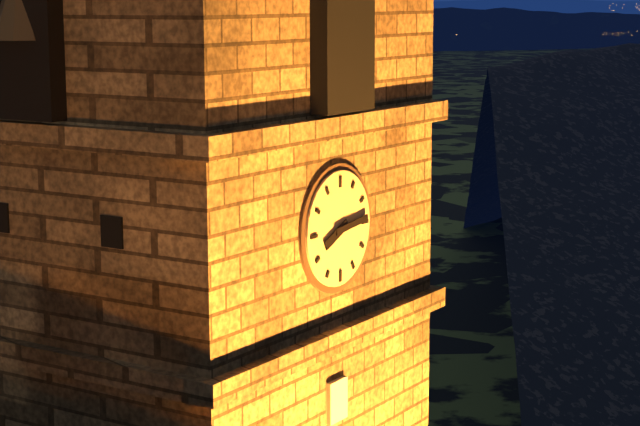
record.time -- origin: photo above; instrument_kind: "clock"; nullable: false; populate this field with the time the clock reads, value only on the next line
8:14
